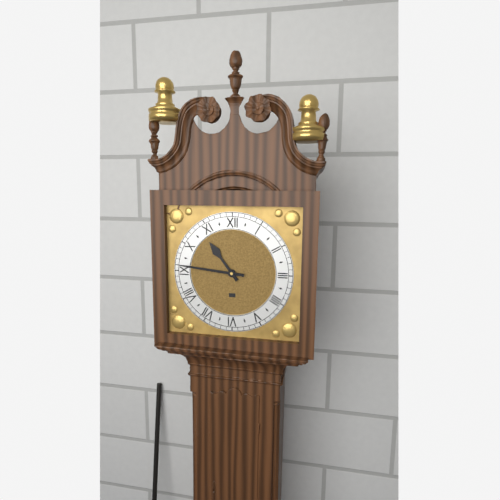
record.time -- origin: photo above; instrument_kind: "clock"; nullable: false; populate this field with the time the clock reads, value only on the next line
10:46
